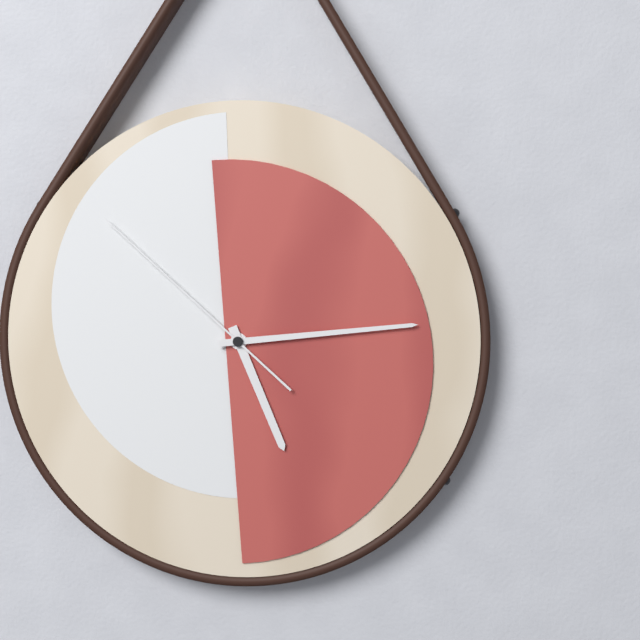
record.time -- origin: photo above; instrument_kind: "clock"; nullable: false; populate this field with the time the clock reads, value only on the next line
5:14:52
